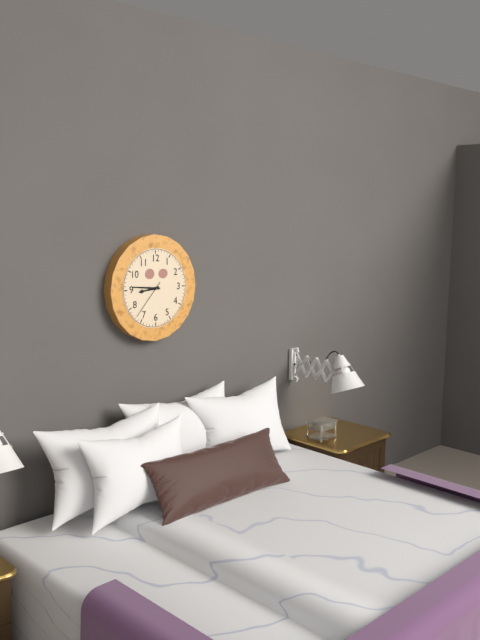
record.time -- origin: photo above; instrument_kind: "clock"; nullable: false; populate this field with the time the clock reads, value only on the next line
8:46
